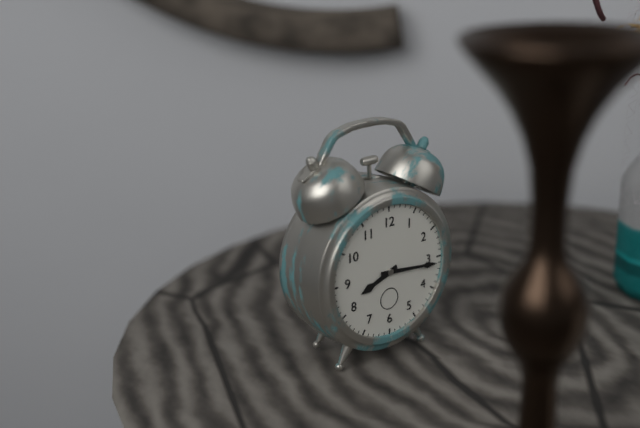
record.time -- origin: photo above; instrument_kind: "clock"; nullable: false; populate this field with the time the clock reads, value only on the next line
8:16
